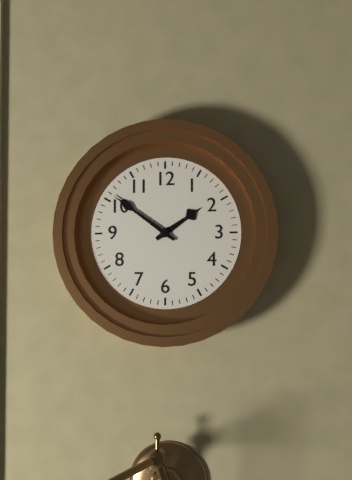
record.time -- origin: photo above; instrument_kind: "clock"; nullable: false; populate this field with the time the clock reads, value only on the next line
1:51
